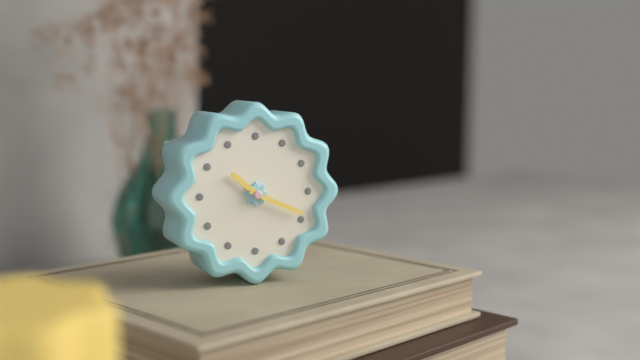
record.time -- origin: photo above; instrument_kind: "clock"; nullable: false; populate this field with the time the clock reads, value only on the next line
10:19
